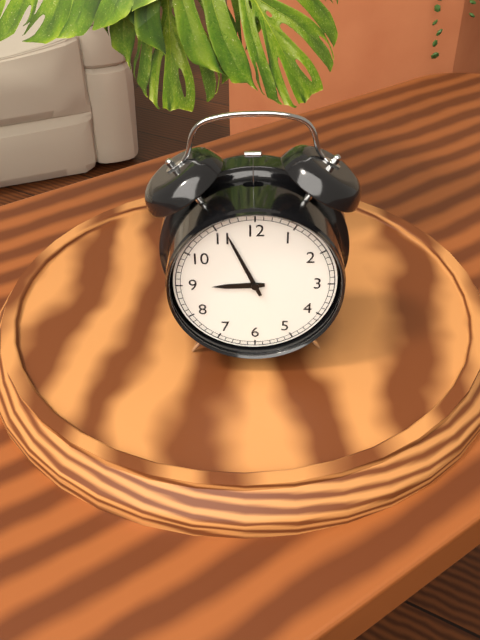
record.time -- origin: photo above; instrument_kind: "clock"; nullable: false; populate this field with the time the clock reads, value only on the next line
8:56
